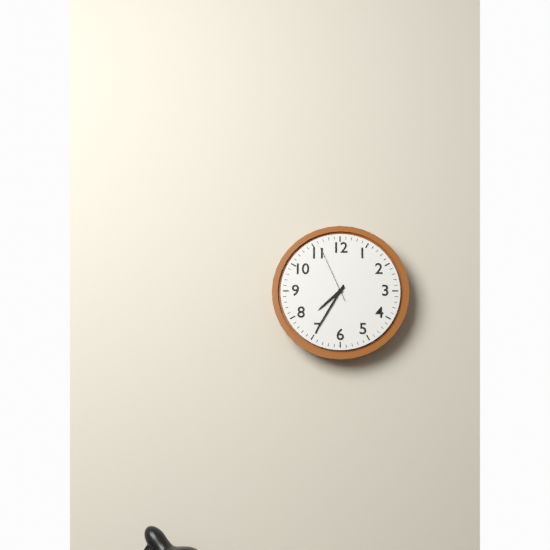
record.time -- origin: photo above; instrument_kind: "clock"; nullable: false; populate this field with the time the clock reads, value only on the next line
7:35:56
